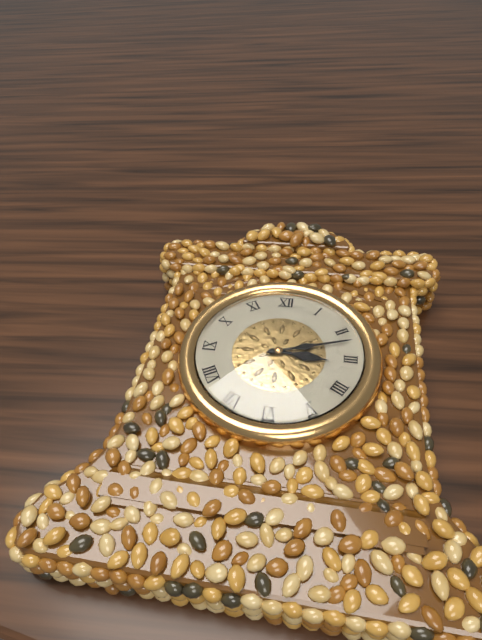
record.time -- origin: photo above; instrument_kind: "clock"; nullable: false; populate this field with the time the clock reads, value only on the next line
3:12
